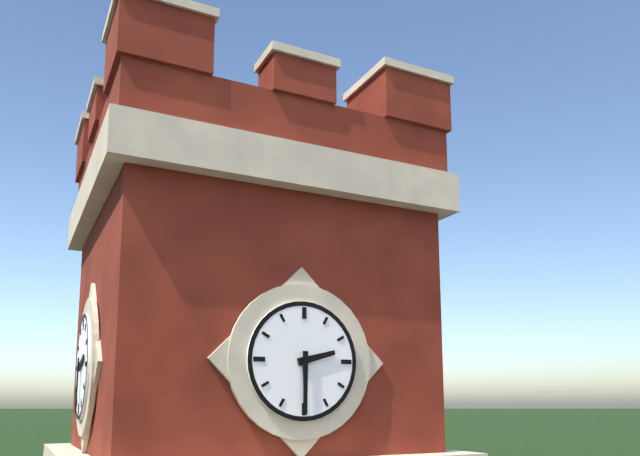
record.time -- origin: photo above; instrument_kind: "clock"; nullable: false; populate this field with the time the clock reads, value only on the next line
2:30
